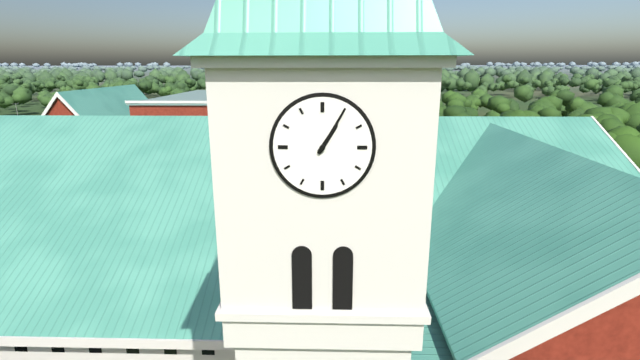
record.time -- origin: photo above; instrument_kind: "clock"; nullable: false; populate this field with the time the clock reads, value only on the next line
1:05
